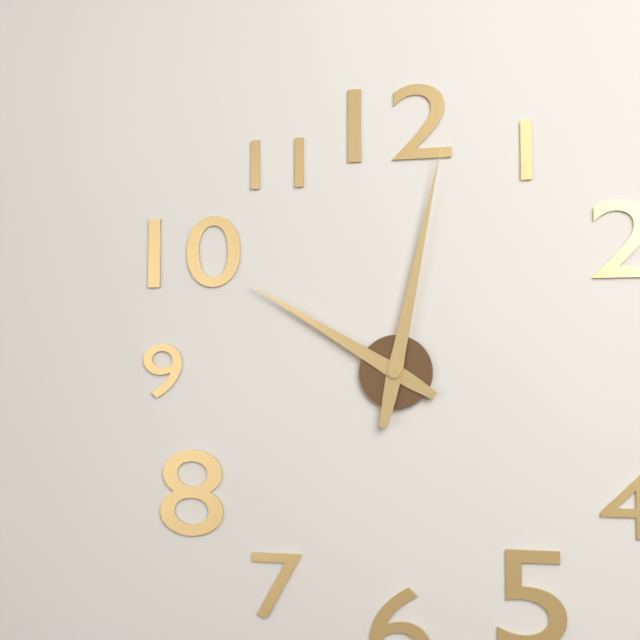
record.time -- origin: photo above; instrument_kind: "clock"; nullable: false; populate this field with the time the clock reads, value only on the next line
10:02
